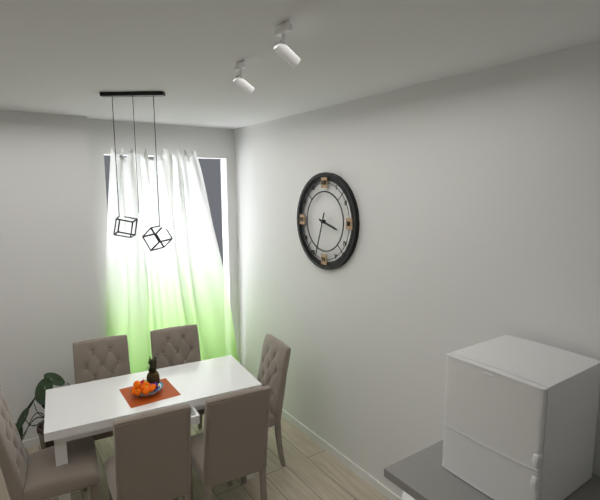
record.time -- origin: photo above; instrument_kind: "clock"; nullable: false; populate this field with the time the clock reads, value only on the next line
3:33
